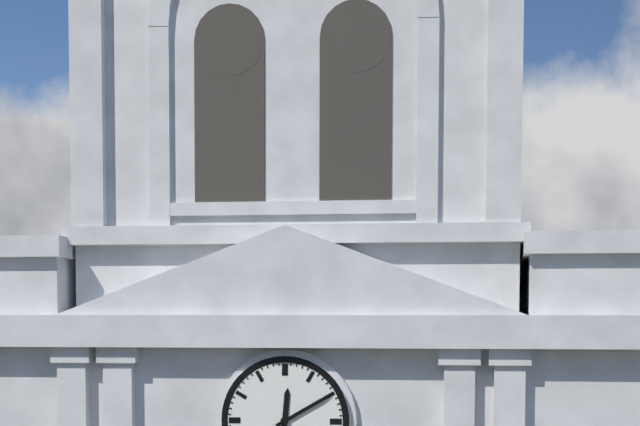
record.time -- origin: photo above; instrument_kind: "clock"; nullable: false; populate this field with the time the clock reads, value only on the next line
12:10
